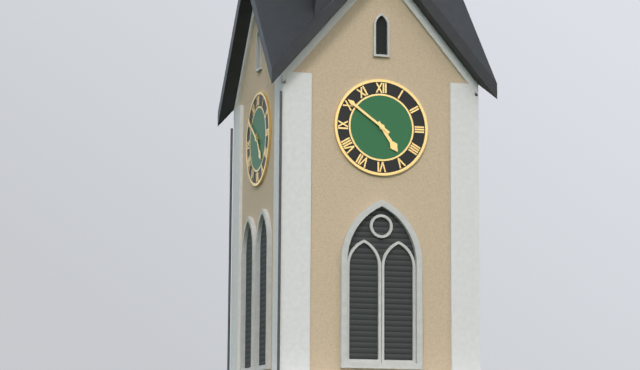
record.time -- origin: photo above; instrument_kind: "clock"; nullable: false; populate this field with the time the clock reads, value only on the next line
4:51
